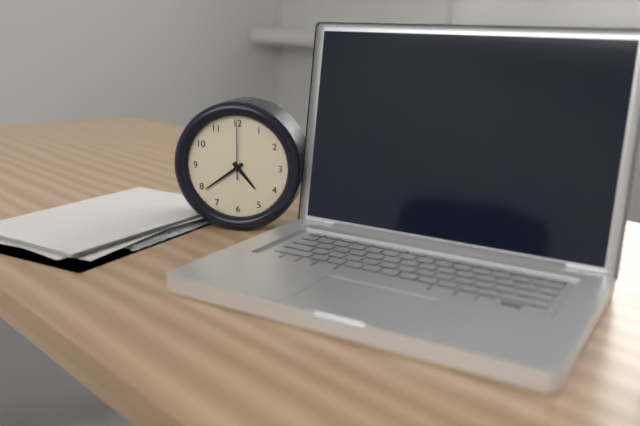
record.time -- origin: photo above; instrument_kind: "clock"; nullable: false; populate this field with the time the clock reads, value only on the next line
4:39:00
